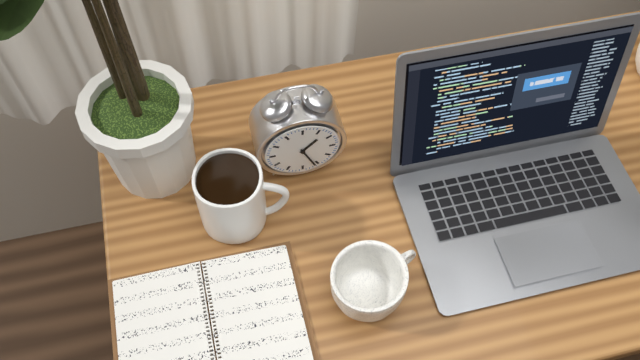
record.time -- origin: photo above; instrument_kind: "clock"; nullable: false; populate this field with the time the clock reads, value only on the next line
1:26
